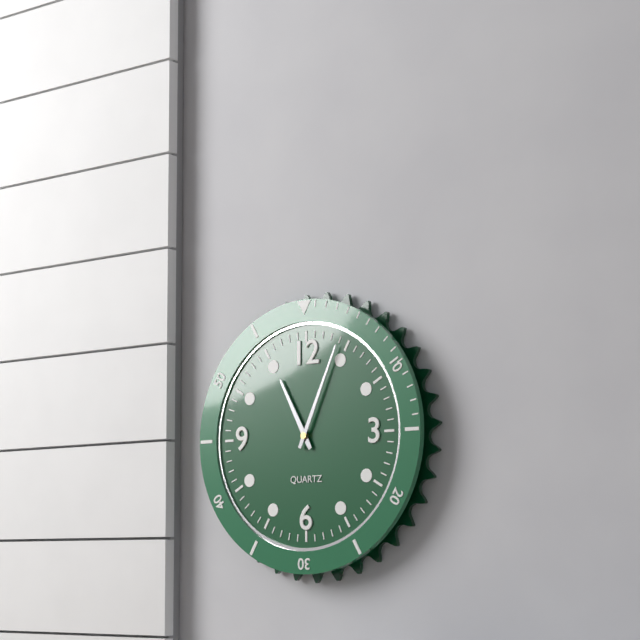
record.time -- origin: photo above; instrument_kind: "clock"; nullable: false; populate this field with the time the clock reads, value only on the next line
11:04
